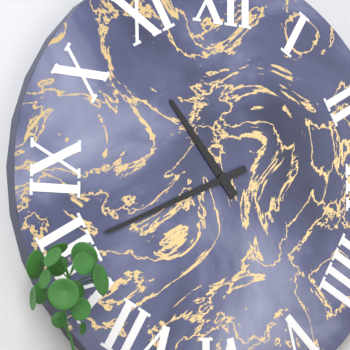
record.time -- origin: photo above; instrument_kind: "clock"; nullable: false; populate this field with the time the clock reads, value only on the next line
10:41
